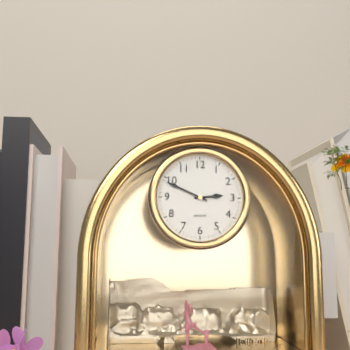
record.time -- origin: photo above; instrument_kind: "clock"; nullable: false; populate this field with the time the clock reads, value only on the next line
2:49
